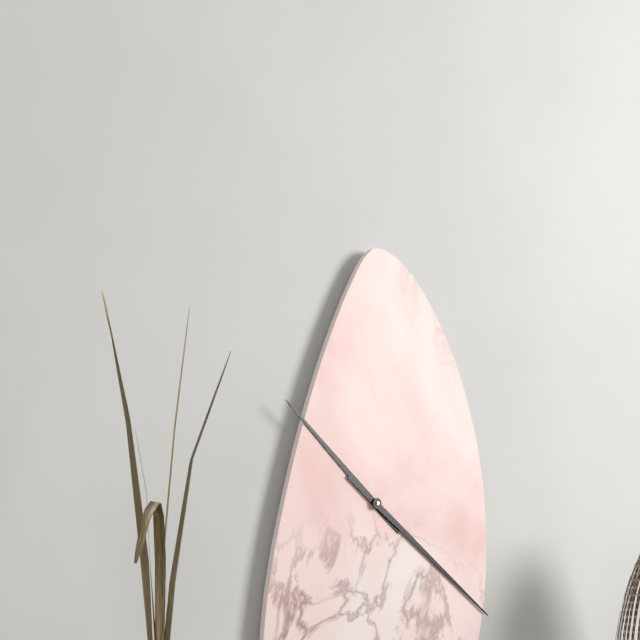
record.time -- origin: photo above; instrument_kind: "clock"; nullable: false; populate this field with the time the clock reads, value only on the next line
10:21
